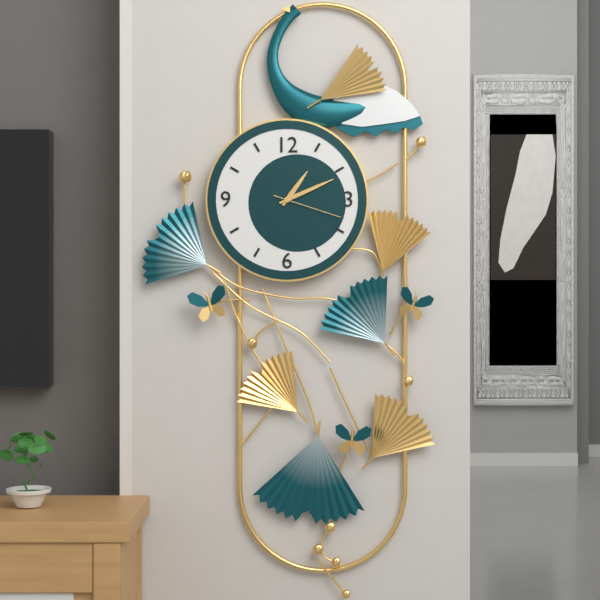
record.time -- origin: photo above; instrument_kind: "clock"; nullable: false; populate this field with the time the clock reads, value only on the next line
1:11:18
